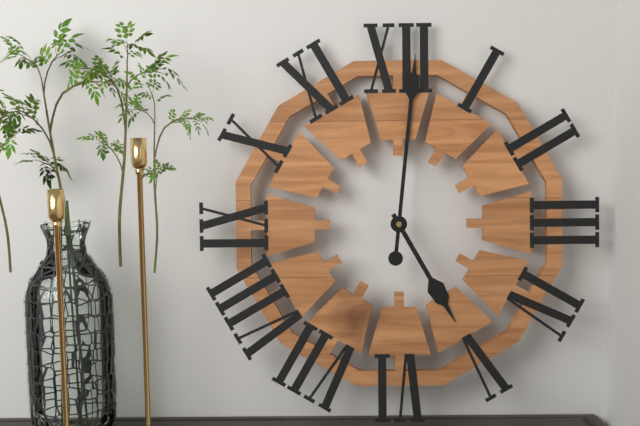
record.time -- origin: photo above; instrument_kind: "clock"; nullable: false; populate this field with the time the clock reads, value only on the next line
5:01
